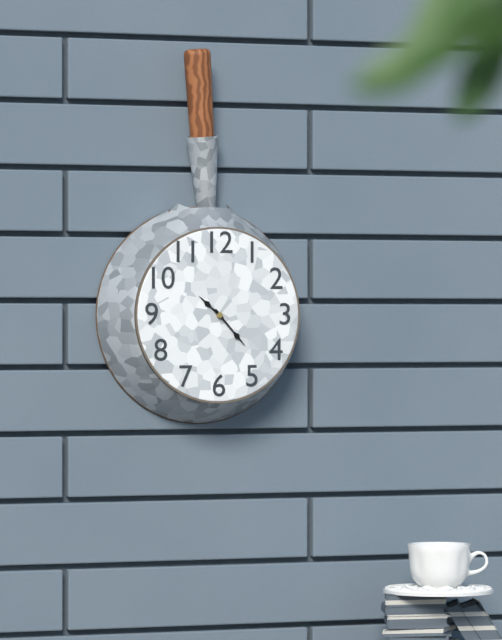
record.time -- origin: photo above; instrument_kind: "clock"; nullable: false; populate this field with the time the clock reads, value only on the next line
10:23
